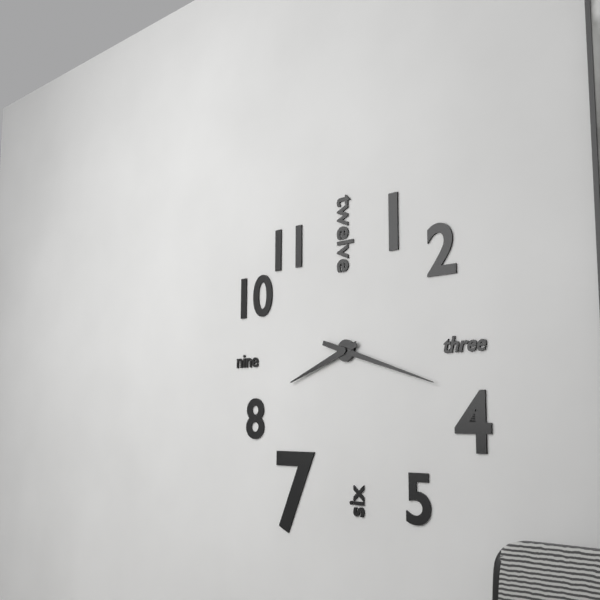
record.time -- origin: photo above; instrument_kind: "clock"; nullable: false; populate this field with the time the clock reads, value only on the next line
8:18
